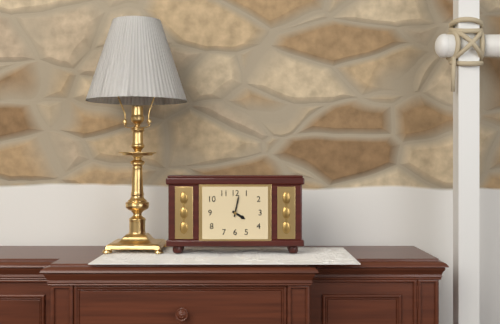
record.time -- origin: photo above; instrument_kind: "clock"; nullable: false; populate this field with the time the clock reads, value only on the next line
4:02
